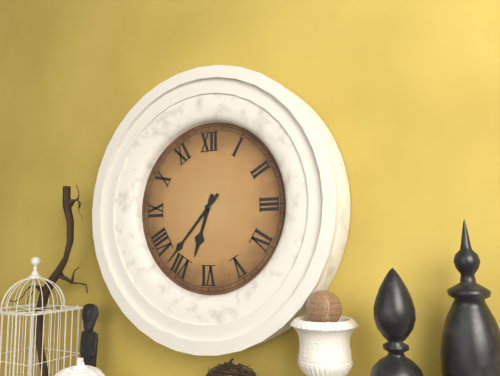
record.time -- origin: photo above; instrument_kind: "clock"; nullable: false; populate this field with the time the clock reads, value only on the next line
6:37
